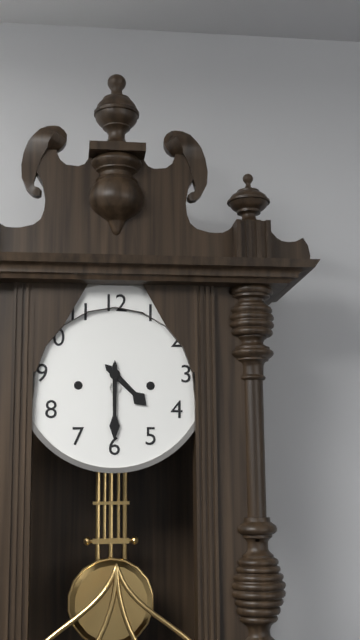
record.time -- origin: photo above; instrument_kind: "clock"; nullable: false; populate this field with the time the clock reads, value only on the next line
4:30
